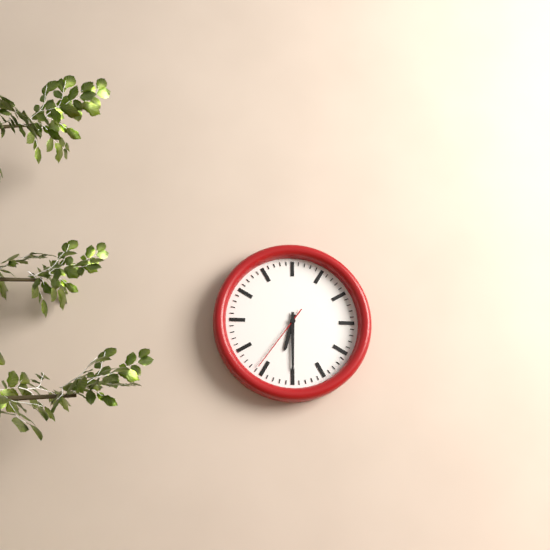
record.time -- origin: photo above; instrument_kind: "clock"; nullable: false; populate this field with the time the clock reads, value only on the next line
6:30:36
